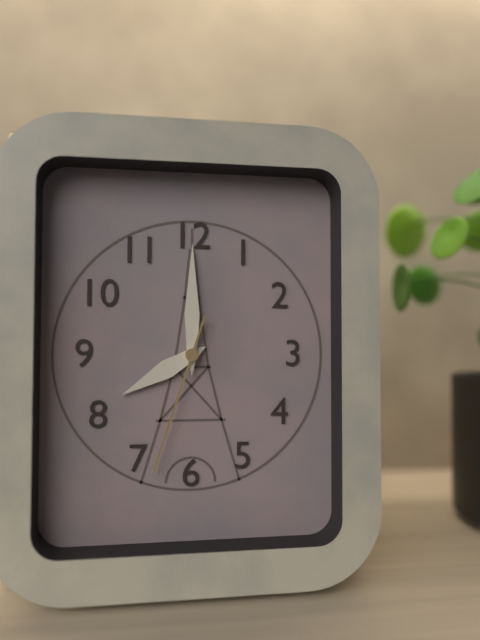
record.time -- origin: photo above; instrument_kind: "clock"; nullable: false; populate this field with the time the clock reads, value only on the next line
8:00:33
